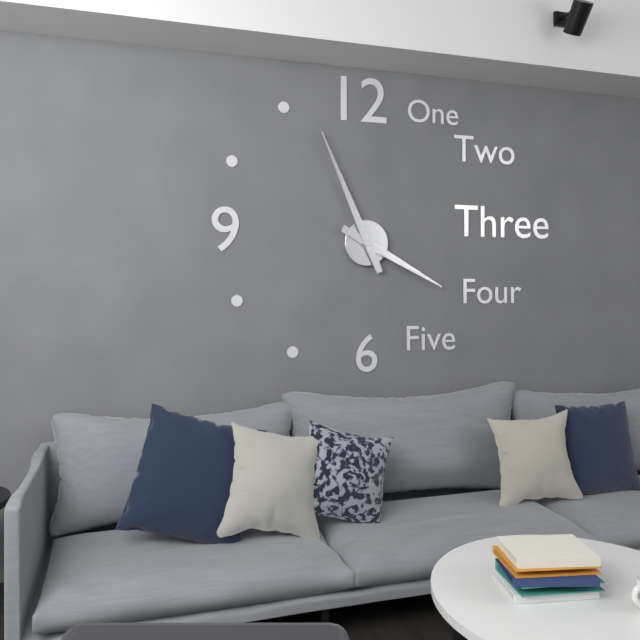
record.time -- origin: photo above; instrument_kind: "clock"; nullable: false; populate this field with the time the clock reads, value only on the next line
3:56
